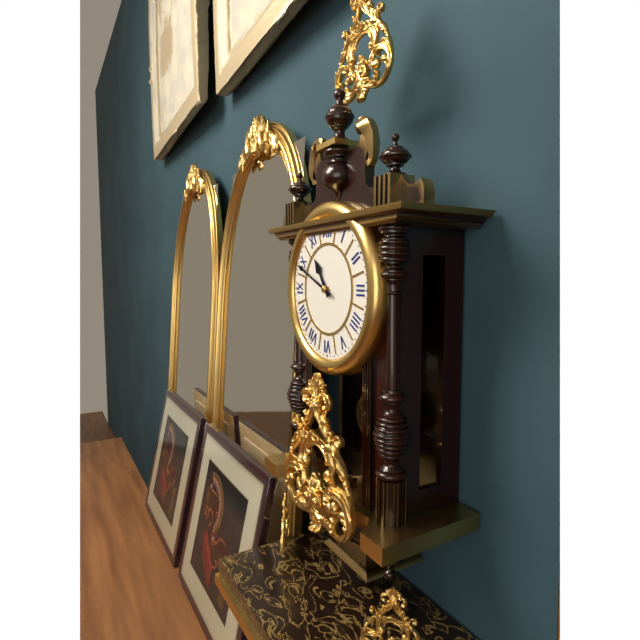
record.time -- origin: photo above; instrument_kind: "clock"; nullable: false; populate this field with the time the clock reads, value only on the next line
10:49
